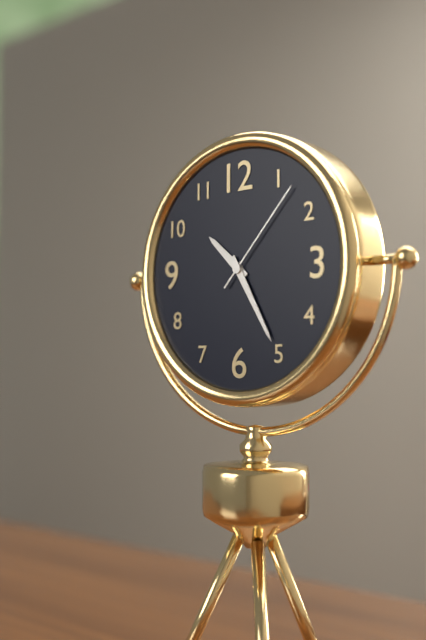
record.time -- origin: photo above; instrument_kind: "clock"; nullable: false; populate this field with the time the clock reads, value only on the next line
10:25:07
